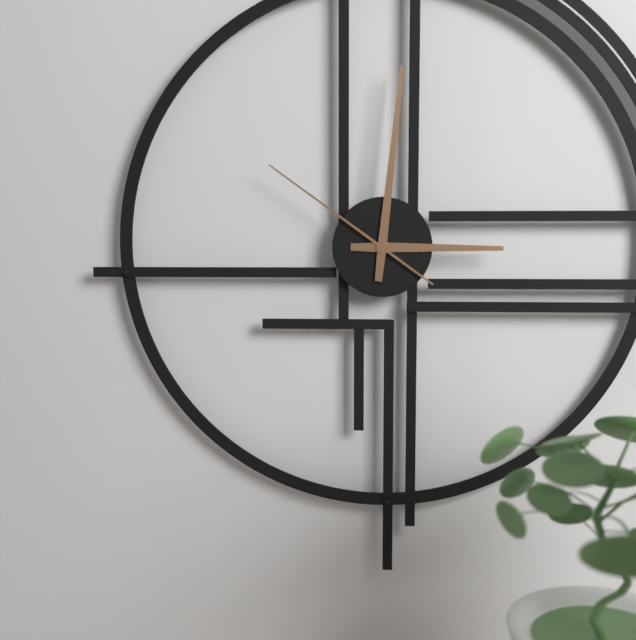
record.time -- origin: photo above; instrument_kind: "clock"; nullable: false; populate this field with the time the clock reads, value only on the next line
3:01:51
